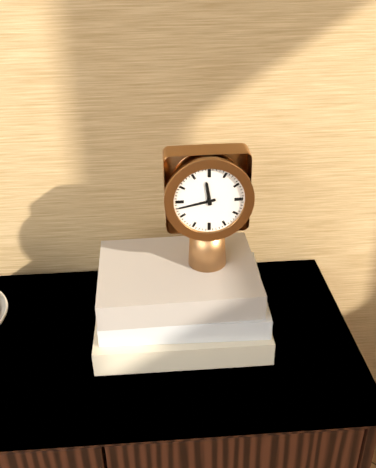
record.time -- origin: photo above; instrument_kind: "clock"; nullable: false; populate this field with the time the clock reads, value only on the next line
11:43
